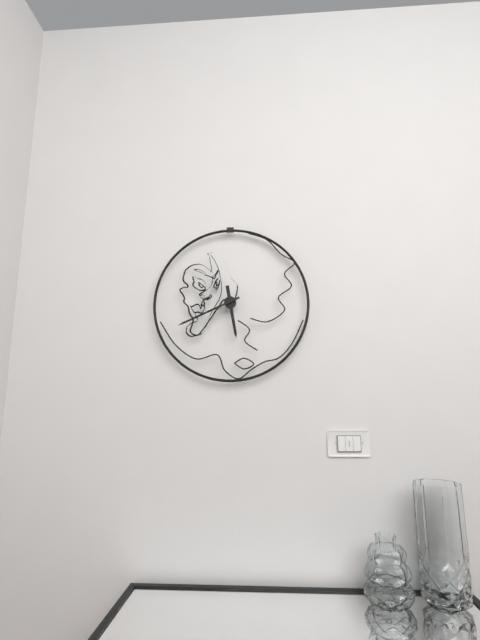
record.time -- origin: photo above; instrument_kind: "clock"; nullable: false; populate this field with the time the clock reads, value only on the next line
5:41
